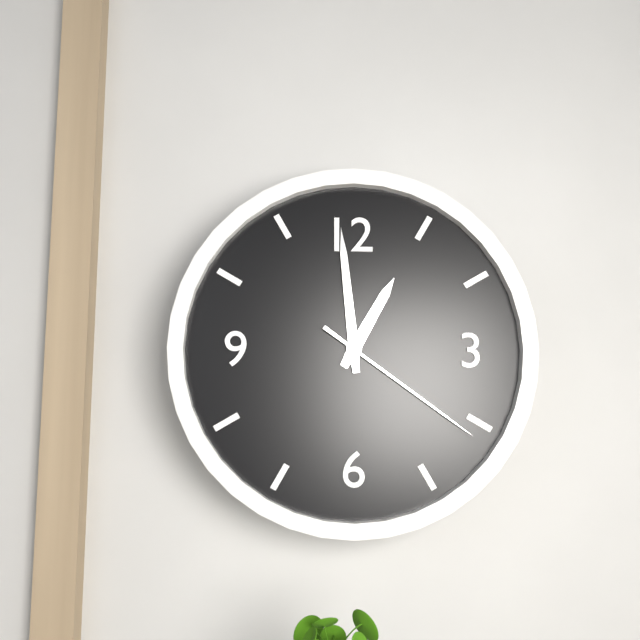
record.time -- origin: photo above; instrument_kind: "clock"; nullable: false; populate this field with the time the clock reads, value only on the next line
12:59:21
